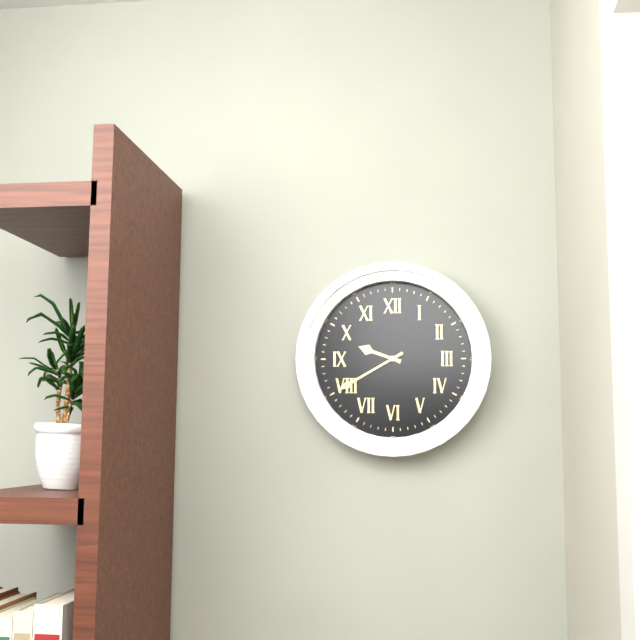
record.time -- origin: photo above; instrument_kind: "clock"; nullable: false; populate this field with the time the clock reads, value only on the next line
9:40
